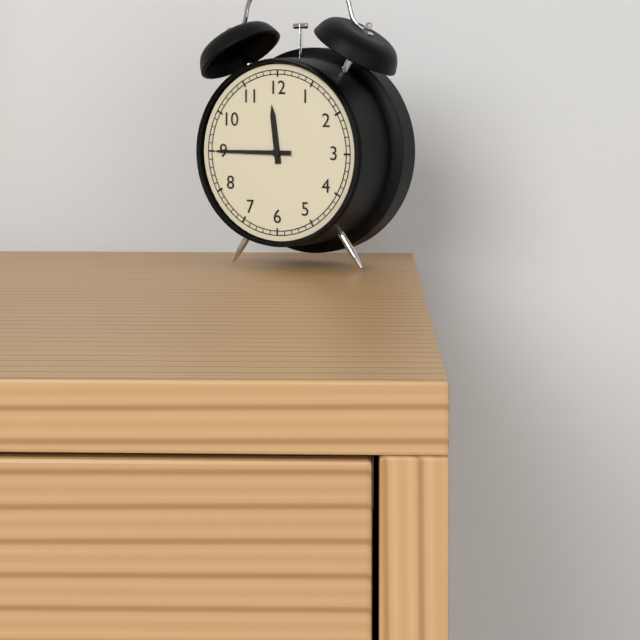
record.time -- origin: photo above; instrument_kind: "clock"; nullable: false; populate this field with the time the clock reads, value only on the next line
11:45
